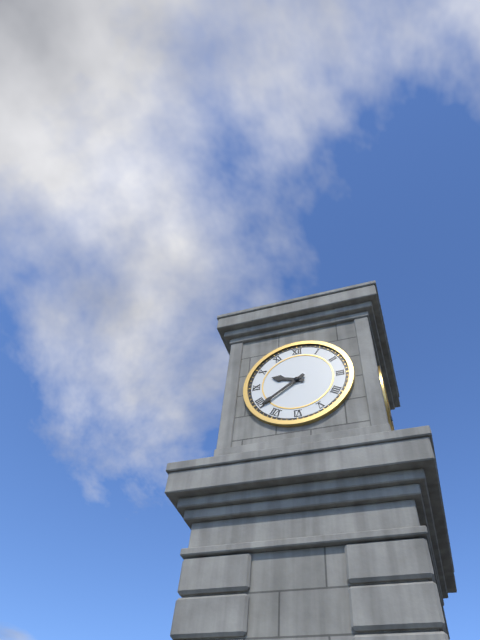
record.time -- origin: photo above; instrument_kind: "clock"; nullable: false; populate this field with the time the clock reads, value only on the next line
9:39
